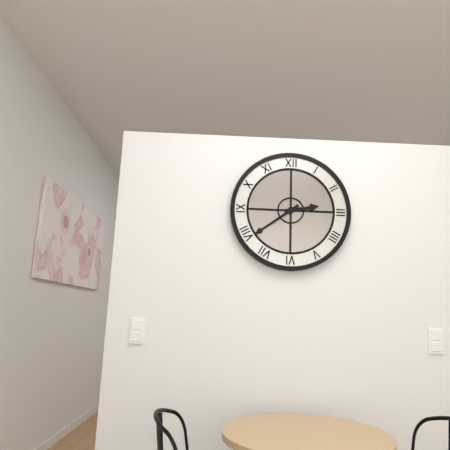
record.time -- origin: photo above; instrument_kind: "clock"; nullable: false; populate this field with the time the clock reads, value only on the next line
2:39
